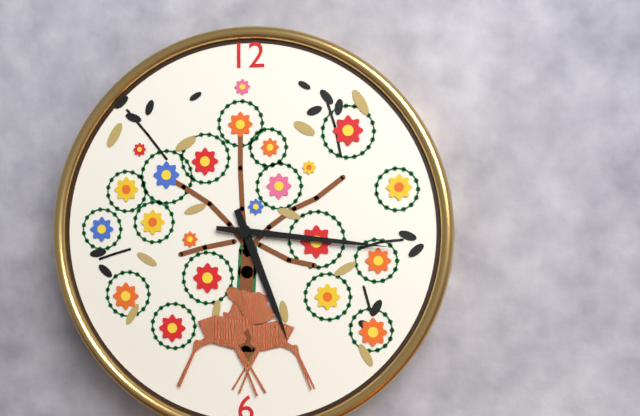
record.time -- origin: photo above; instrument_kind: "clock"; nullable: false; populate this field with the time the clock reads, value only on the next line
5:16
